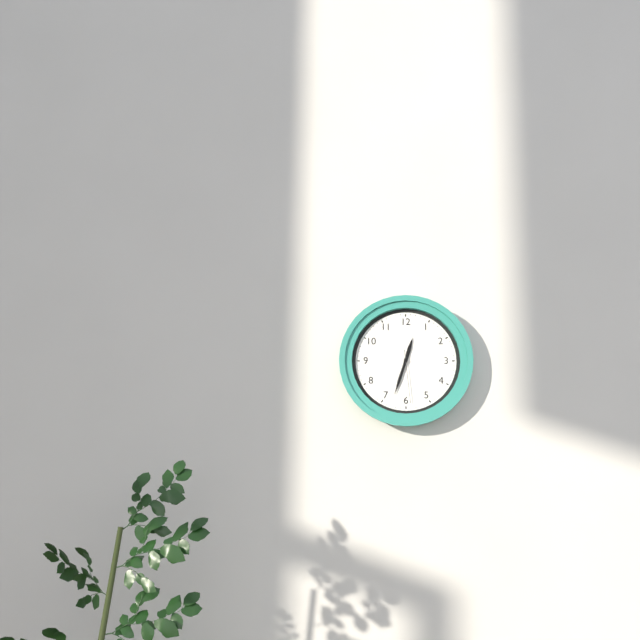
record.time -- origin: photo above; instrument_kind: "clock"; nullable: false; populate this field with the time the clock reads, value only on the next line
12:33:29
